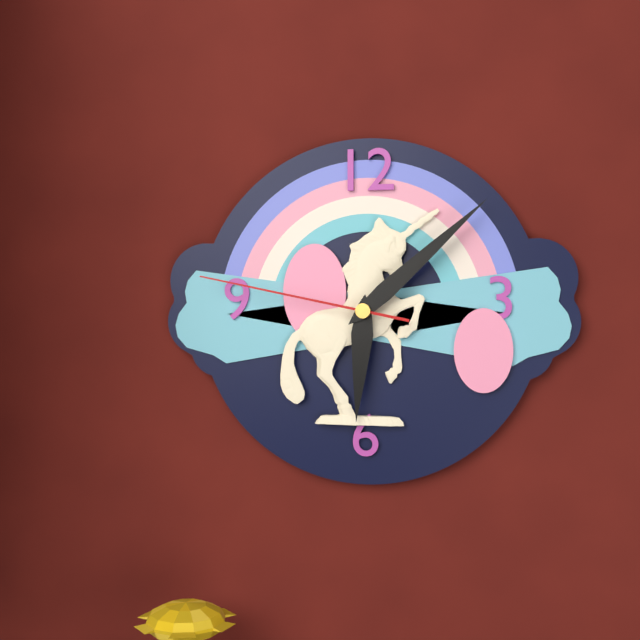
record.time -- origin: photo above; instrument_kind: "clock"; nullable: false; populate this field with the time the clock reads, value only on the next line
6:08:47
